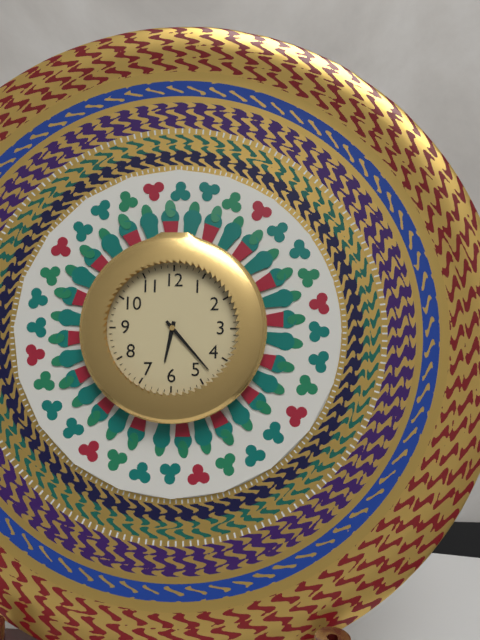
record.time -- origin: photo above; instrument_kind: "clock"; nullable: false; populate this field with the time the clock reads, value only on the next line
6:23
